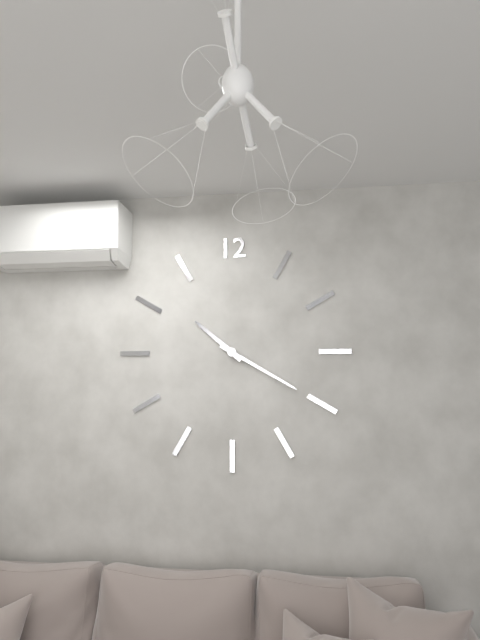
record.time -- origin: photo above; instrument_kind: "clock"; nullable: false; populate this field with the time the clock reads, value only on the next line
10:20
